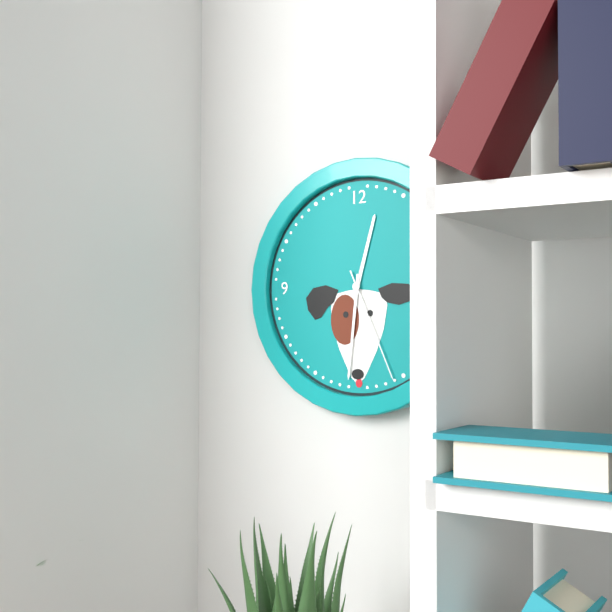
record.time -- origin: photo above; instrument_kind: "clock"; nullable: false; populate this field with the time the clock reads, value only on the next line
12:31:26
